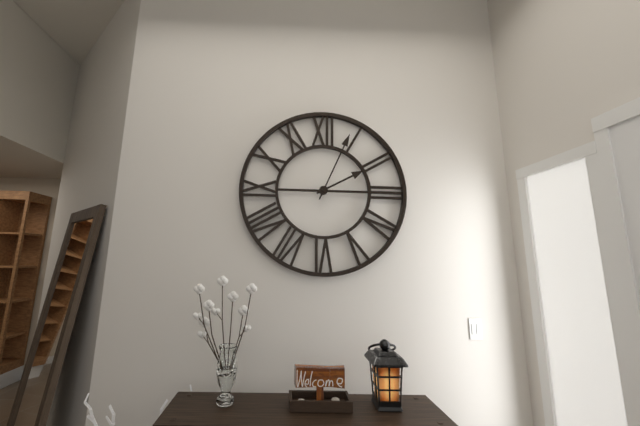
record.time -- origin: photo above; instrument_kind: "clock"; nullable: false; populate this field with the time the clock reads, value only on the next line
2:04
